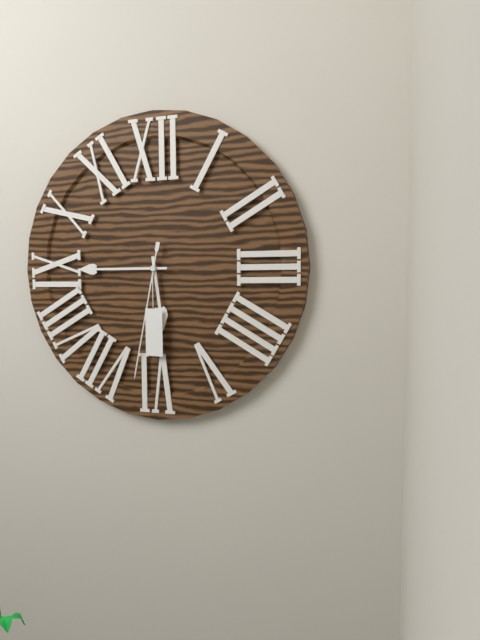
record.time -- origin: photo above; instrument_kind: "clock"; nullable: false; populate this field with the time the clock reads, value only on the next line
5:45:32
